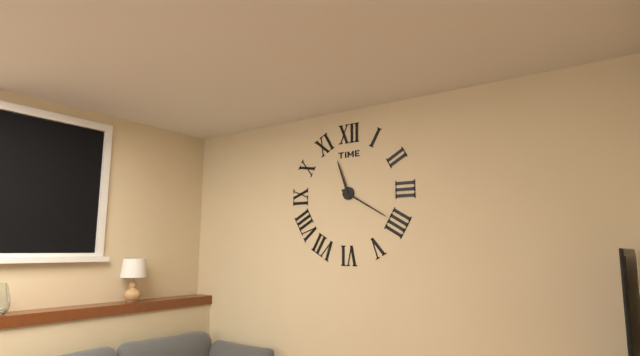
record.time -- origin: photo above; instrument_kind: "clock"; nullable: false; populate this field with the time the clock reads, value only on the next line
11:20
